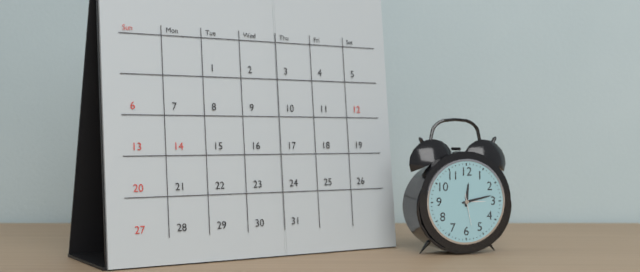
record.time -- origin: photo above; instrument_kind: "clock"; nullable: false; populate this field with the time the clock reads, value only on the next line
12:13
